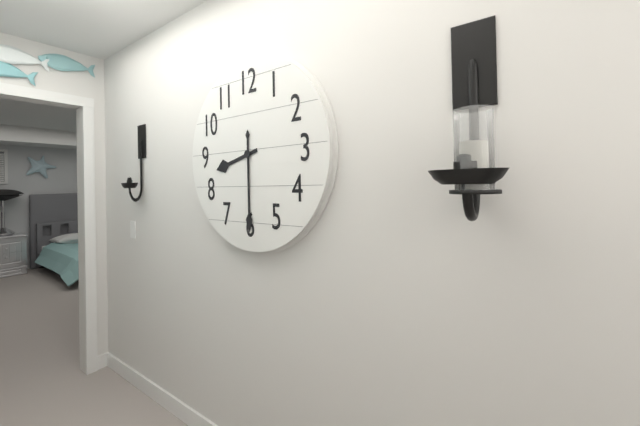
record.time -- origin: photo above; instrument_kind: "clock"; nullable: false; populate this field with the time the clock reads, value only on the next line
8:30
